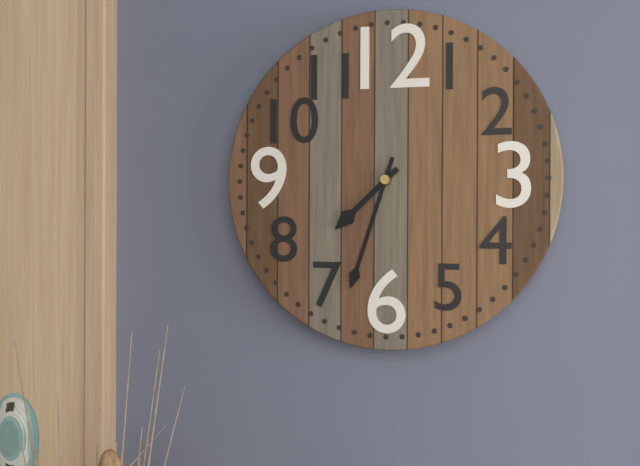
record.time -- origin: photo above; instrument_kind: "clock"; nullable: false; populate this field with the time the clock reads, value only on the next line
7:33
